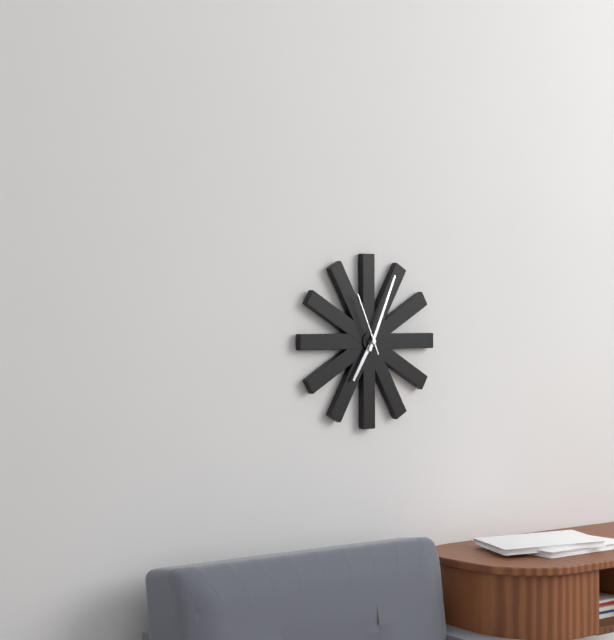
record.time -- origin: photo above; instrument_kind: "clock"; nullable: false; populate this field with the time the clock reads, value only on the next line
7:04:56
